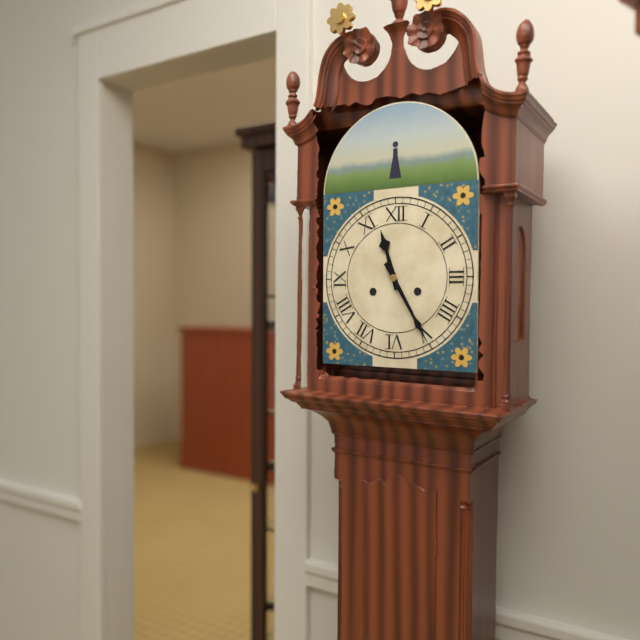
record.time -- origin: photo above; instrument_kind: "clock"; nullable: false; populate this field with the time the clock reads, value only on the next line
11:25
